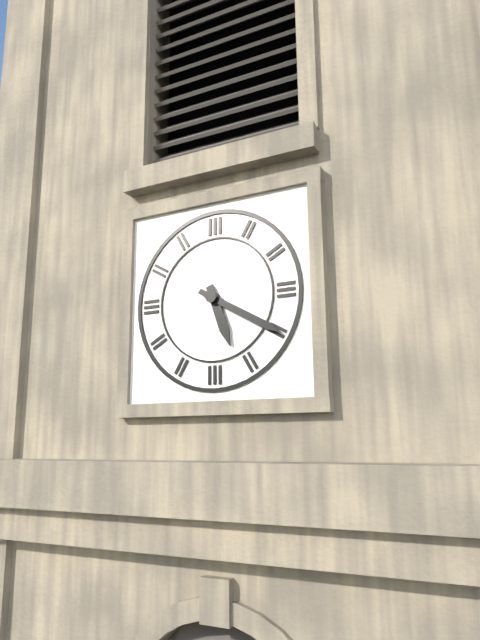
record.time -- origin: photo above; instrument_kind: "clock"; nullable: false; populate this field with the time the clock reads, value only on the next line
5:20
